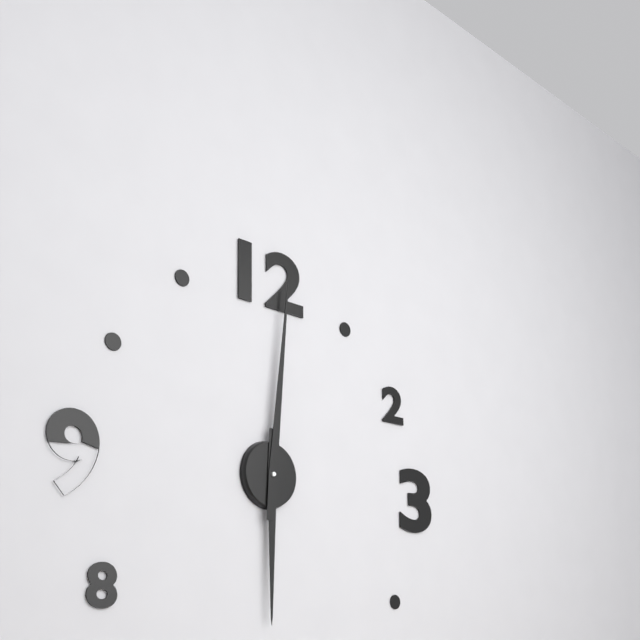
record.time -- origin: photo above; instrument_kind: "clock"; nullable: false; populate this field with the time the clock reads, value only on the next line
6:01
